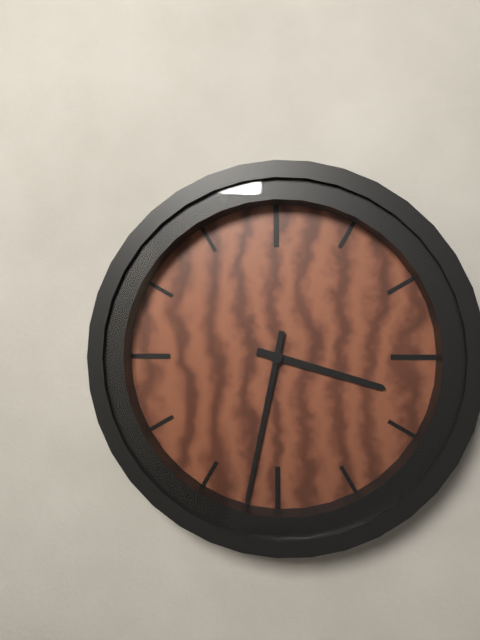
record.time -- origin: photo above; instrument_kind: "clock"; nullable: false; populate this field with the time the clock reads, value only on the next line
3:32
